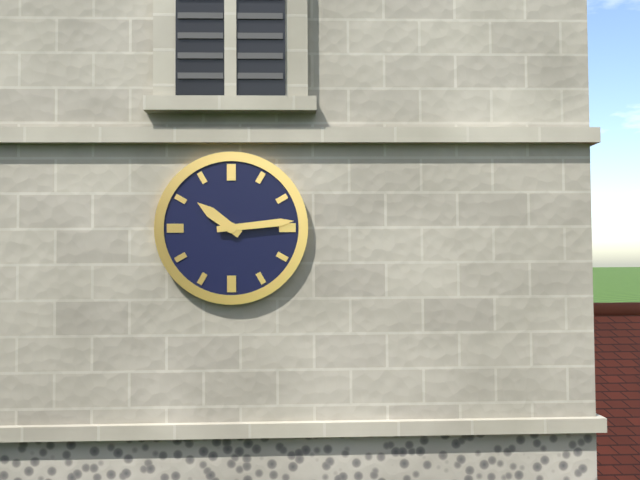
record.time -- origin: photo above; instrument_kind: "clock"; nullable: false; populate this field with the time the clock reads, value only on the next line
10:14
